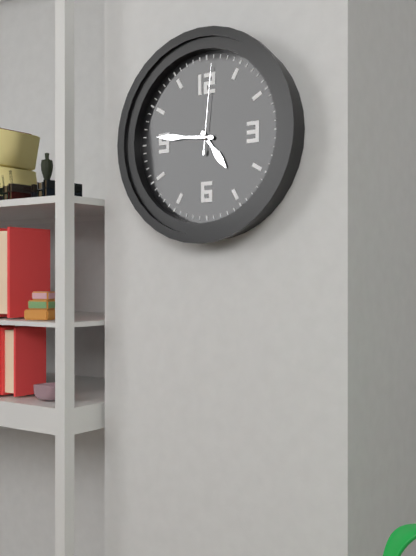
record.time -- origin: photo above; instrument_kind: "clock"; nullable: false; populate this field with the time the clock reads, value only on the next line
4:46:01
